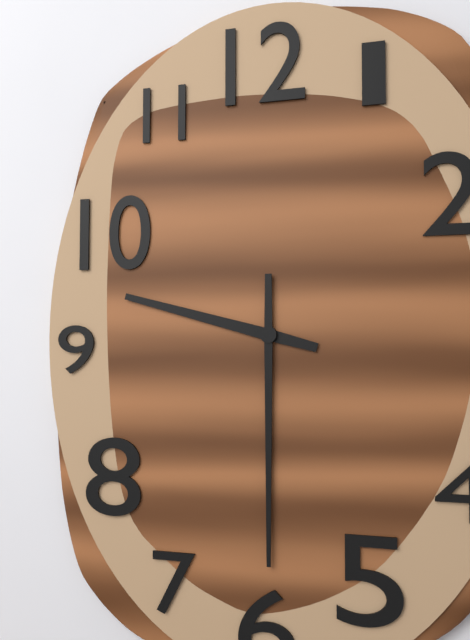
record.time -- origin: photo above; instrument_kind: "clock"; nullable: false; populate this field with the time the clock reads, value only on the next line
9:30
